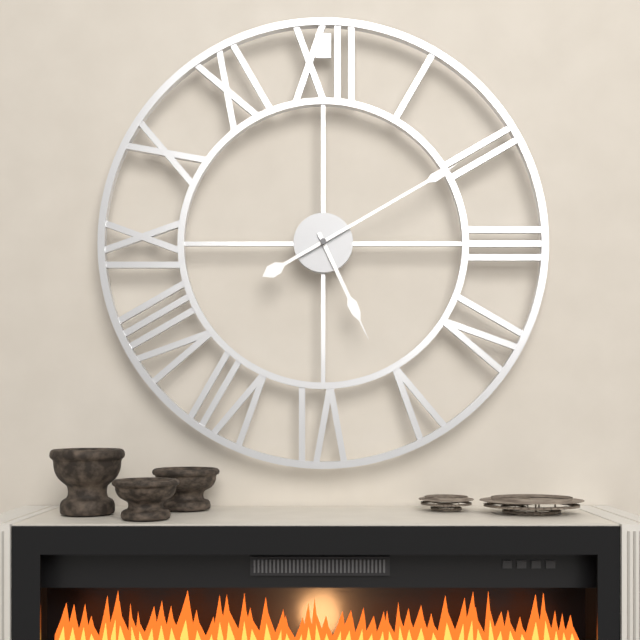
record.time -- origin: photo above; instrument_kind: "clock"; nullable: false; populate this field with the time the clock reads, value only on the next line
5:10
